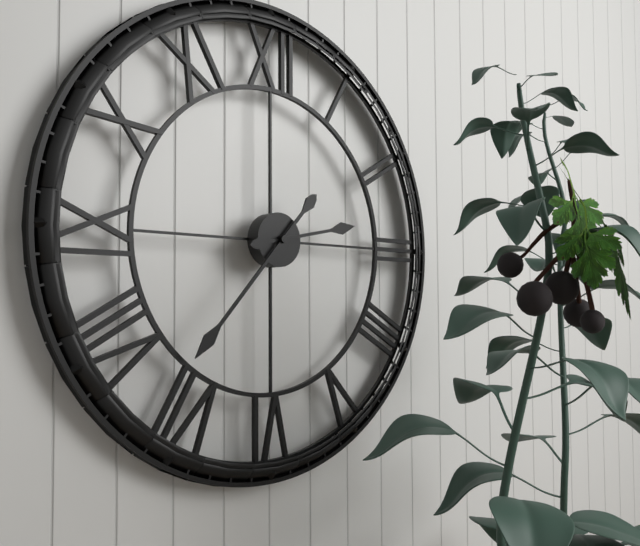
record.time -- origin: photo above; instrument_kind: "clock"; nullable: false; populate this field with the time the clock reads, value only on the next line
2:37
